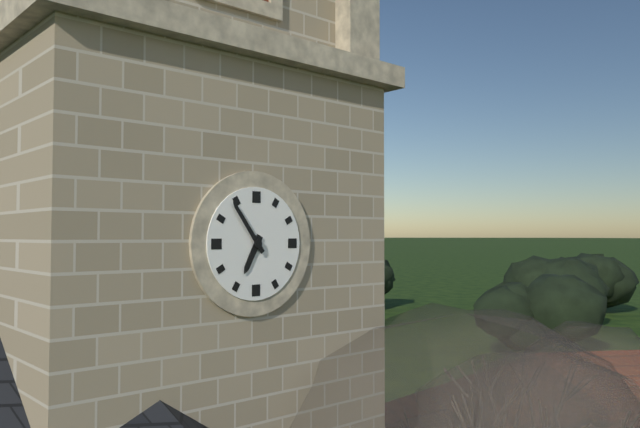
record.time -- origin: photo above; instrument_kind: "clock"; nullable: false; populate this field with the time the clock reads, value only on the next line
6:54
